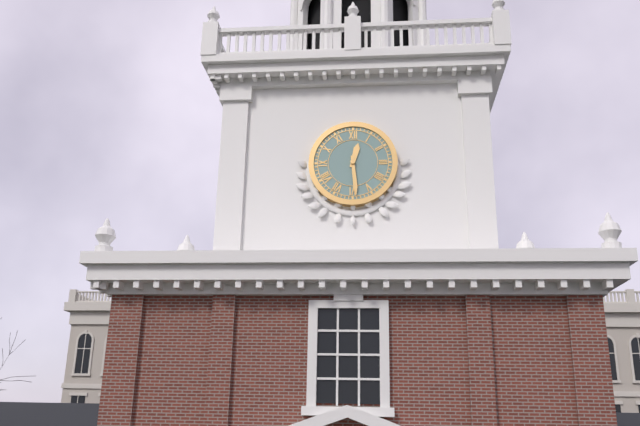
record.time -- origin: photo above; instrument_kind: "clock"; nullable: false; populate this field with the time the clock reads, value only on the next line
12:29
